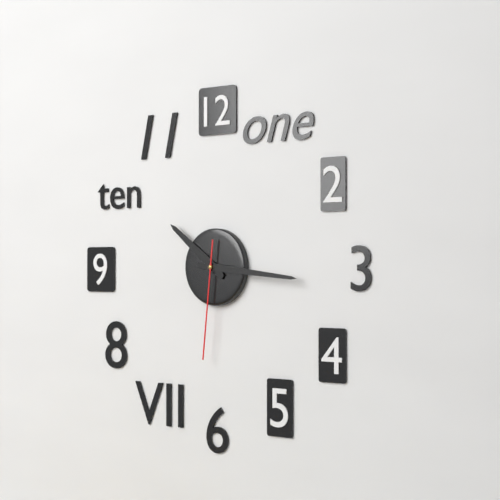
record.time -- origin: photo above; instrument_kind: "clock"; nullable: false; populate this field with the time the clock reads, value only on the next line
10:16:31
